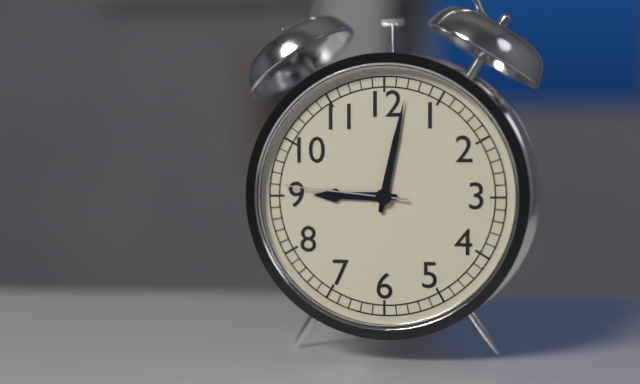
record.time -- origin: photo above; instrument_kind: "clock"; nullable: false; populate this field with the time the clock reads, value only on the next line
9:02:46
